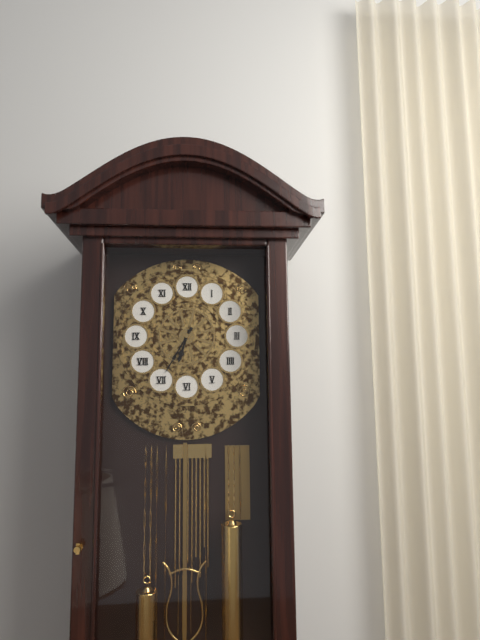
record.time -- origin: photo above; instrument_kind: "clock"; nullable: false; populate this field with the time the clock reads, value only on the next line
6:35
